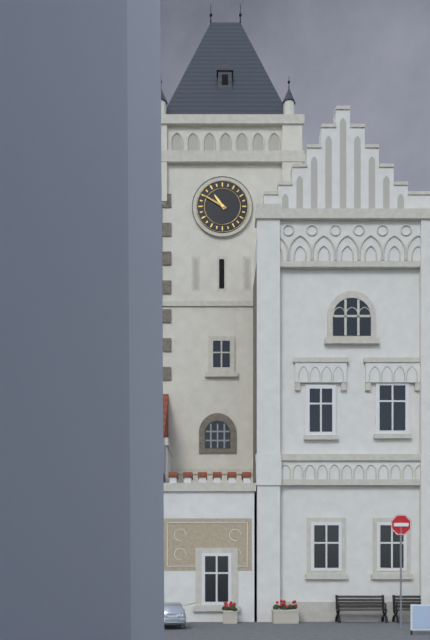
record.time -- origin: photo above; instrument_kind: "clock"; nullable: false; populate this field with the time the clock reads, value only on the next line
10:50
